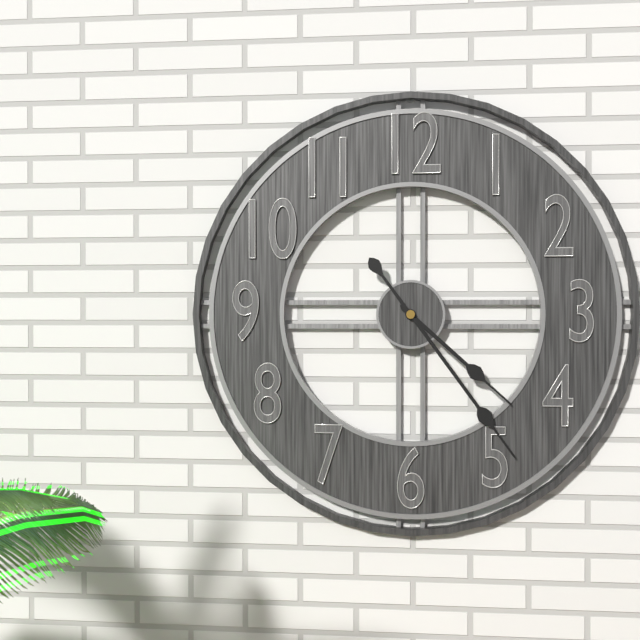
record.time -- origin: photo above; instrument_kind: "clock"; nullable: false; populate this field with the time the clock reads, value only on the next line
4:24
